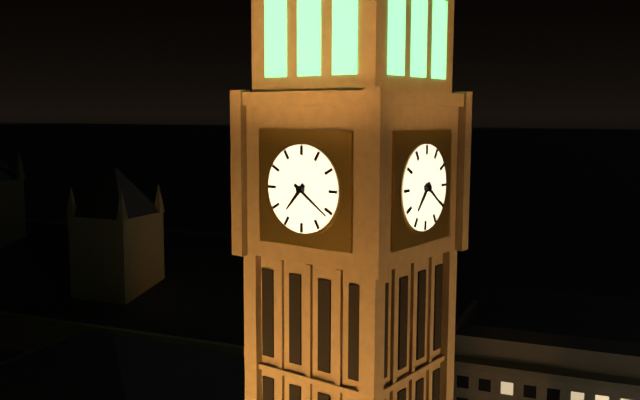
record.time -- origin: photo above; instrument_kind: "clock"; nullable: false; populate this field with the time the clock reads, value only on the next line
7:21
